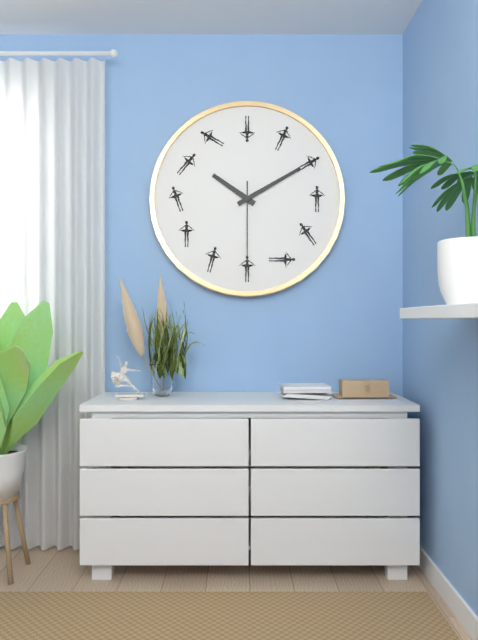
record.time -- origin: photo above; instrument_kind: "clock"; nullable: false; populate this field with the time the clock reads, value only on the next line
10:10:30
